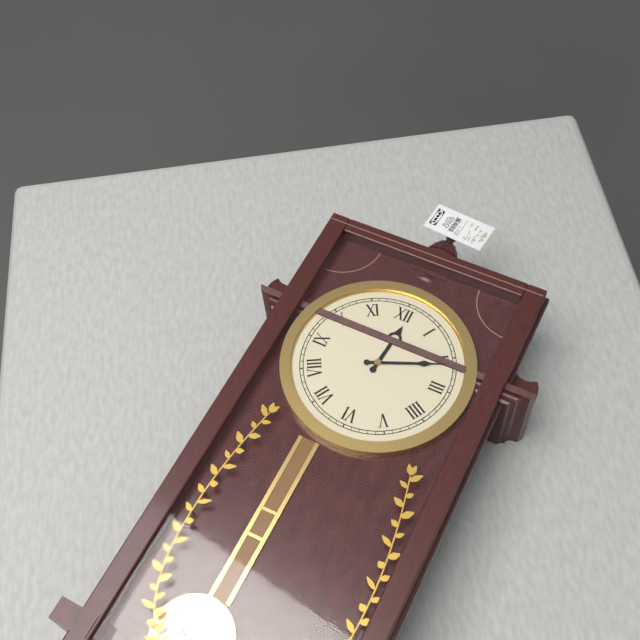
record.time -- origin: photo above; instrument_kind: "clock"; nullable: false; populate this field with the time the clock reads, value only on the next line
12:11
